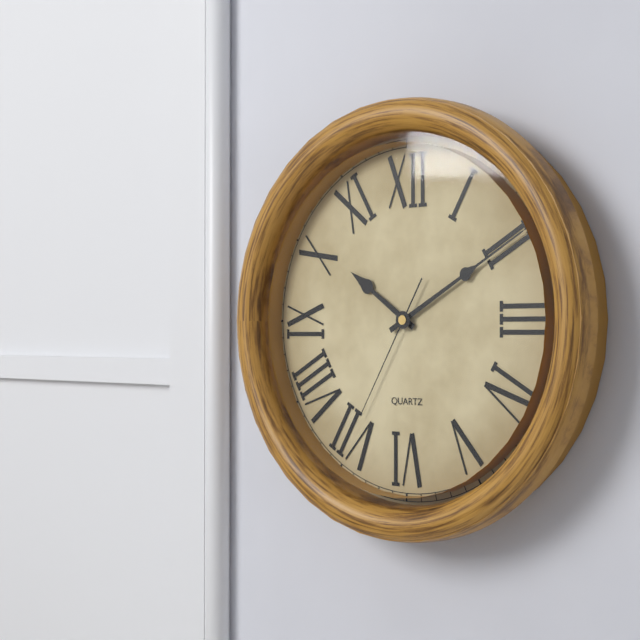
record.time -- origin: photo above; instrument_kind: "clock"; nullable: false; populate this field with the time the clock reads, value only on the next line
10:10:35
